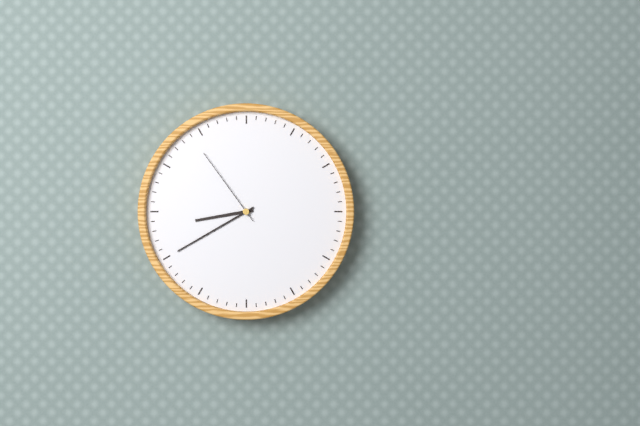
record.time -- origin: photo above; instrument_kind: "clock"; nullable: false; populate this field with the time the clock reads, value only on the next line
8:40:54
